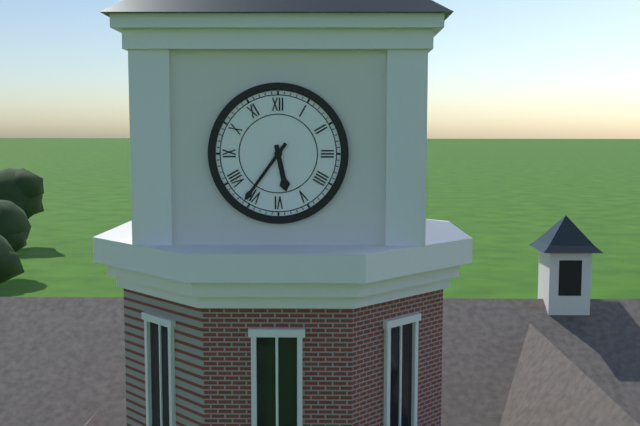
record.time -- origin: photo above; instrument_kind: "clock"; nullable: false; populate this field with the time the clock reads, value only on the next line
5:36
